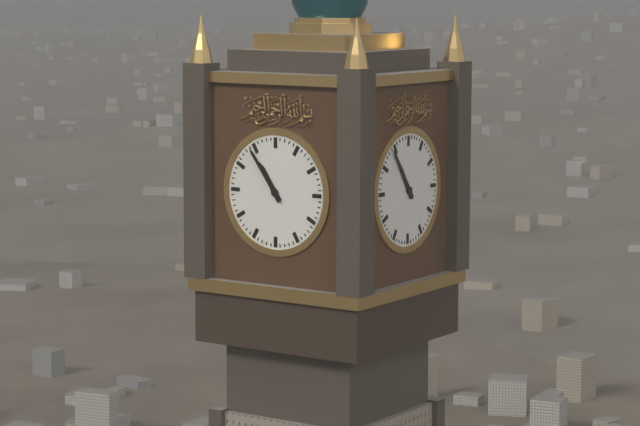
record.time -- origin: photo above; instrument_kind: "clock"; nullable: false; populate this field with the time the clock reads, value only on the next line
10:54
